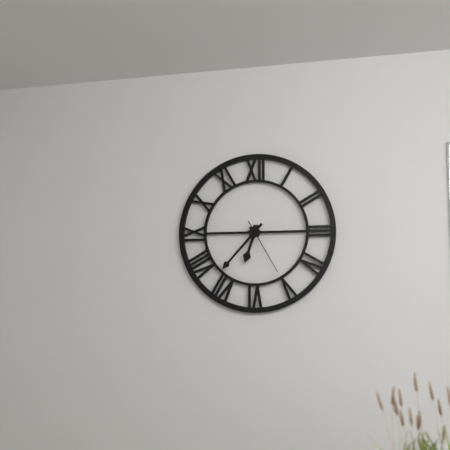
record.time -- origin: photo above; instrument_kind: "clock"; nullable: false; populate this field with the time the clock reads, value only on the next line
6:37:25
